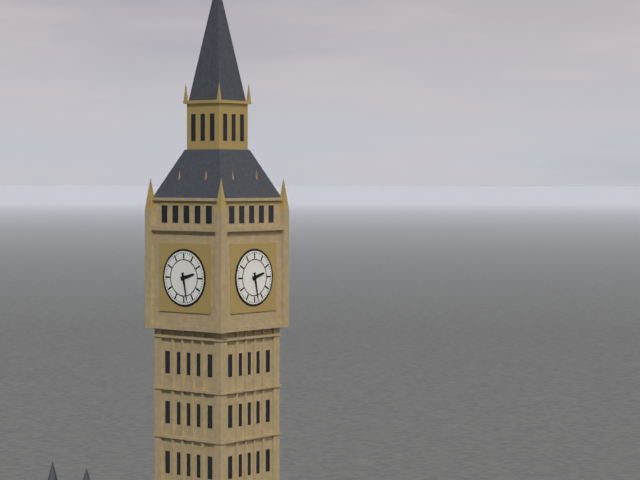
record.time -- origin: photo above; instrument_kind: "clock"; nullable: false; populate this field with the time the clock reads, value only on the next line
2:28
